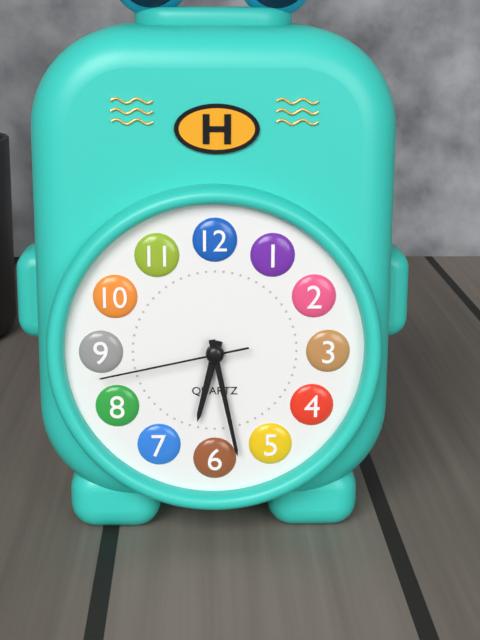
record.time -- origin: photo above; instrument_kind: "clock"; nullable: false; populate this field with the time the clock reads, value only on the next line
6:28:43
